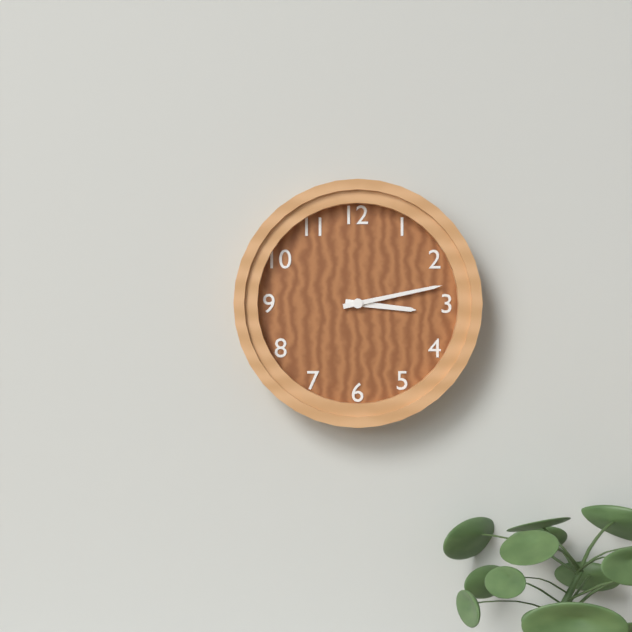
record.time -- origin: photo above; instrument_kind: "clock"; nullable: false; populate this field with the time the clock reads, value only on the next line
3:13
